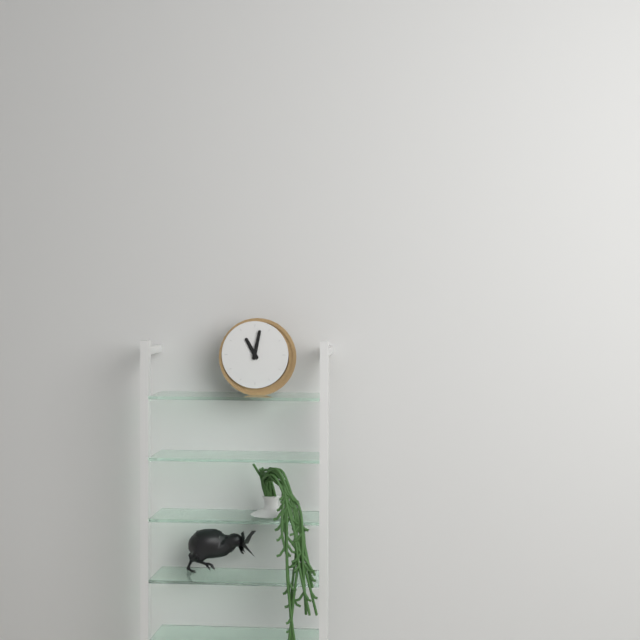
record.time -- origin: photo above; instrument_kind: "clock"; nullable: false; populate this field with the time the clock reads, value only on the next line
11:02
